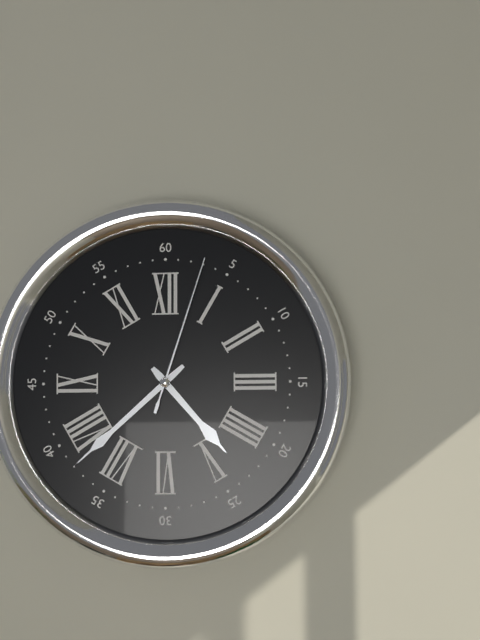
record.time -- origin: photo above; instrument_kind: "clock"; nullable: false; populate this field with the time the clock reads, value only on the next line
4:38:03
